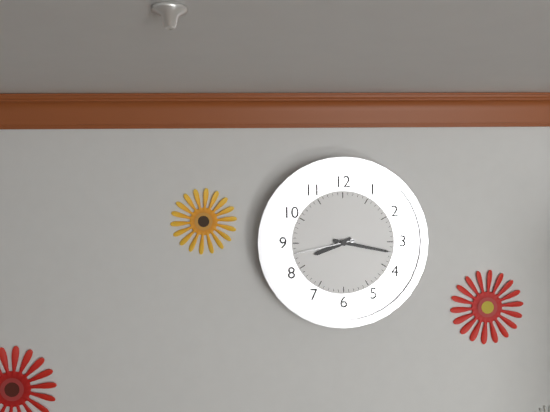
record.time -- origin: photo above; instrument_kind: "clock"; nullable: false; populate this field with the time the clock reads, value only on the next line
8:17:43
